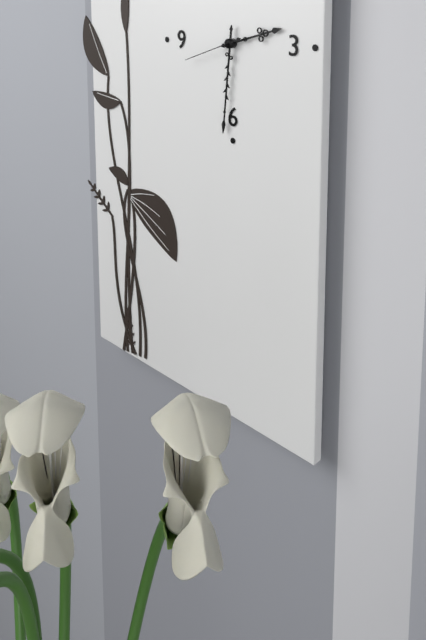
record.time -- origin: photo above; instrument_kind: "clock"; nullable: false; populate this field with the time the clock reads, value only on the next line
2:31:42
